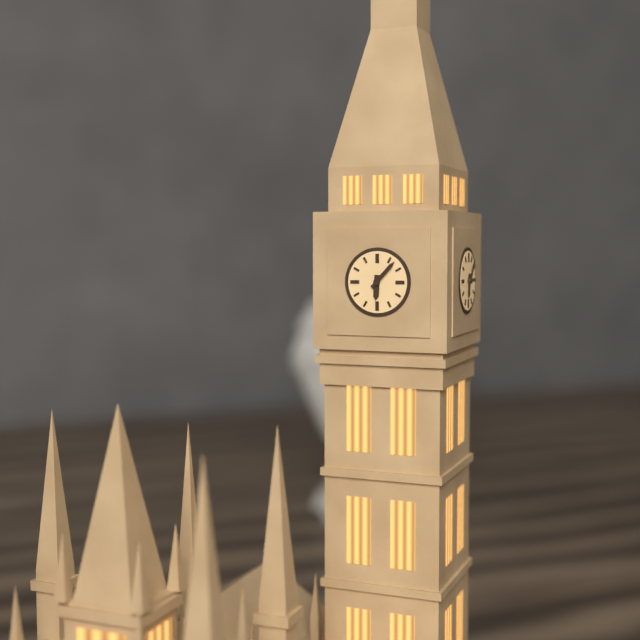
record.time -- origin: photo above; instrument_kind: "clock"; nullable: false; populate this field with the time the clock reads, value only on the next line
6:07
